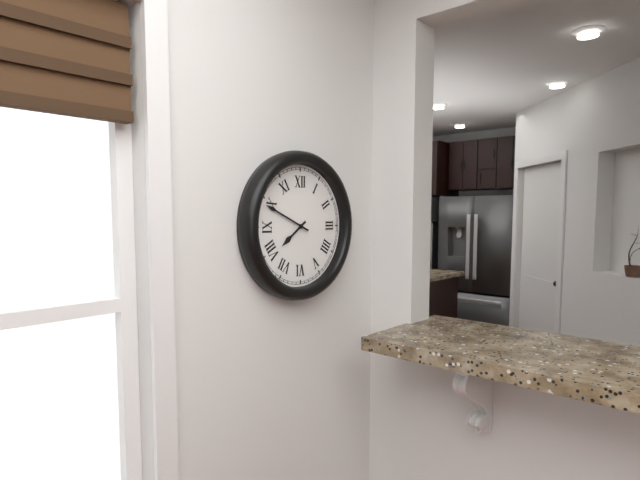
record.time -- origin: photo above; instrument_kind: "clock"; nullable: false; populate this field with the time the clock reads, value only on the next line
7:49
